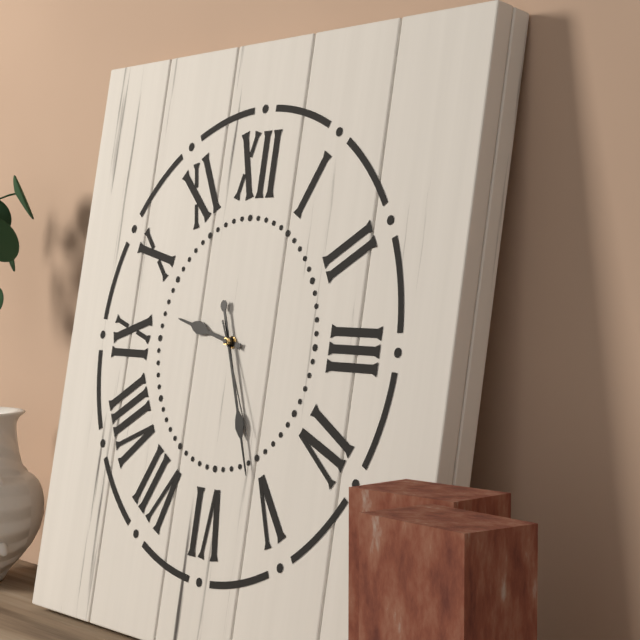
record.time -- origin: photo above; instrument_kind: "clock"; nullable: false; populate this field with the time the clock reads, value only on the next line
9:26:25
